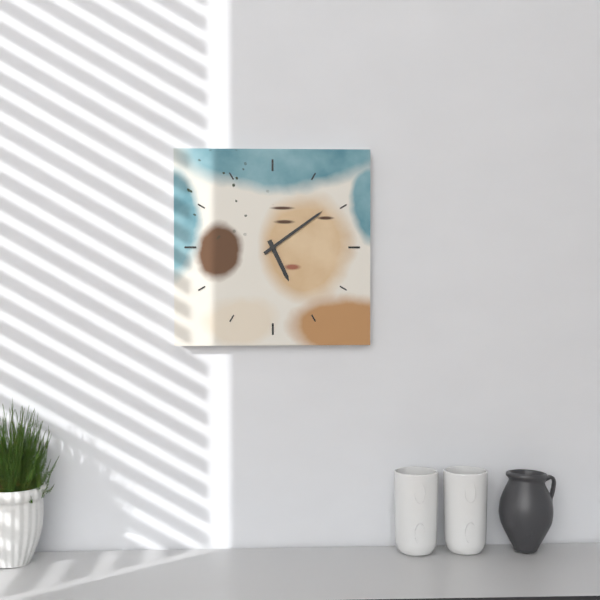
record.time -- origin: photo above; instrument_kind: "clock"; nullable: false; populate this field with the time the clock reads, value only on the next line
5:09
